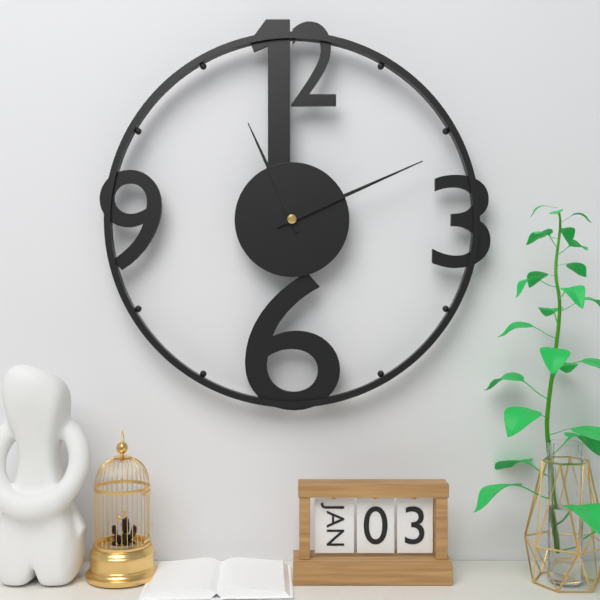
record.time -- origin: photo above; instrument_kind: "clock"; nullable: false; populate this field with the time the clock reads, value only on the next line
11:11
